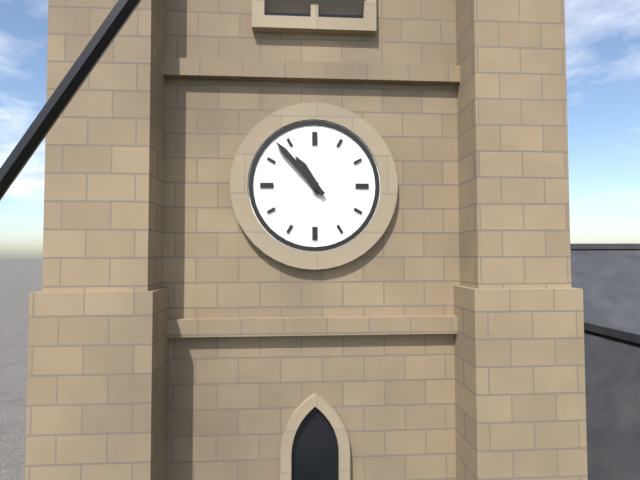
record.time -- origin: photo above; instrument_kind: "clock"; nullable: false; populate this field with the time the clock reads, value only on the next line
10:53
